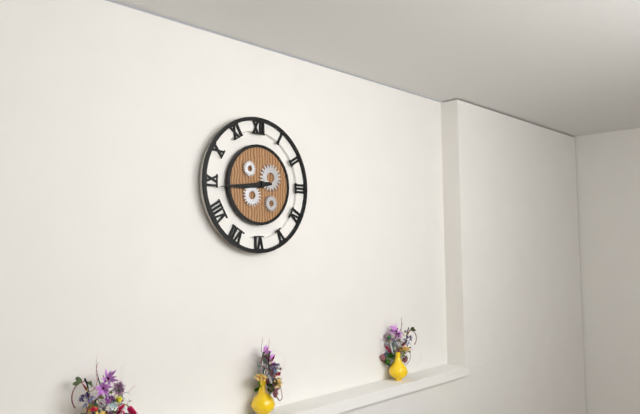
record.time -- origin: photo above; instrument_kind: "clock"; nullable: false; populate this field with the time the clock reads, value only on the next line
8:44
